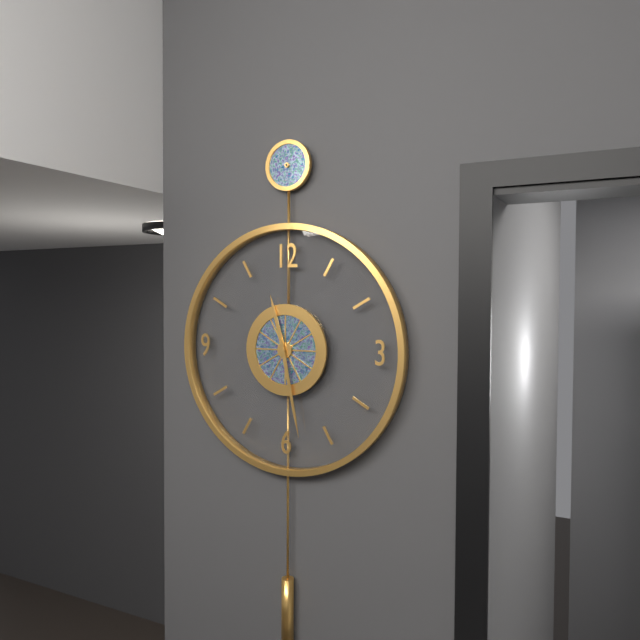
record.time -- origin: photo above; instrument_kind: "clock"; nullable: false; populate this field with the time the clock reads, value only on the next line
11:28
